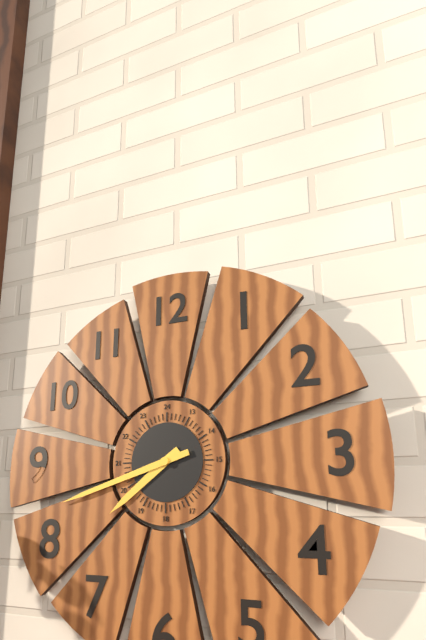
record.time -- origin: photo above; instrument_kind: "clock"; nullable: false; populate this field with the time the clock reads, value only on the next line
7:42
